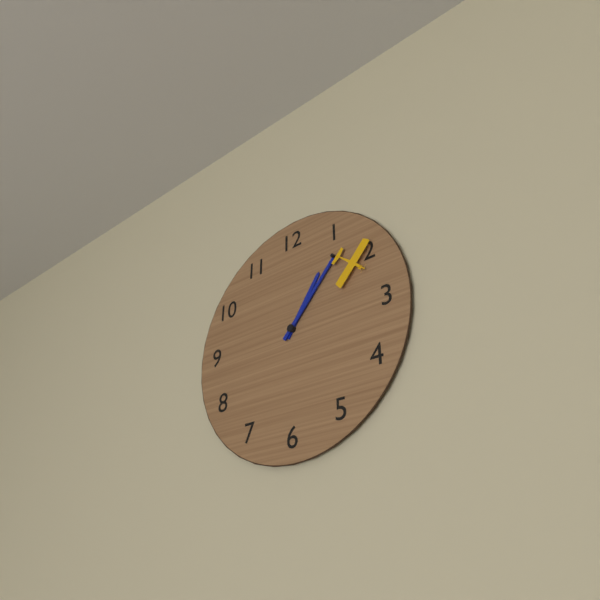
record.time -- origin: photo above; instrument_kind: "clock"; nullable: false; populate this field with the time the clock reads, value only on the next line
1:07
